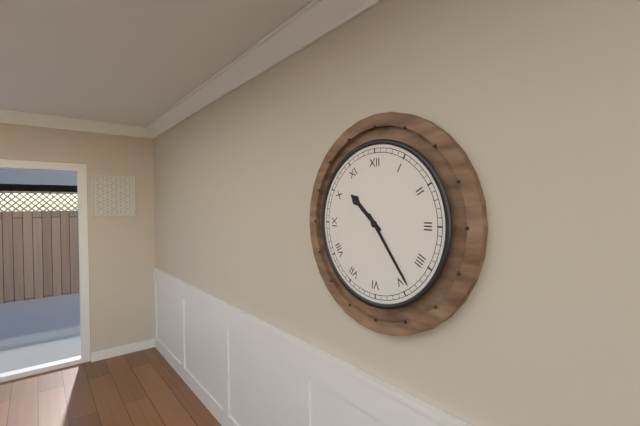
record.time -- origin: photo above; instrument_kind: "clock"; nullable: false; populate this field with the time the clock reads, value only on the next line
10:24
